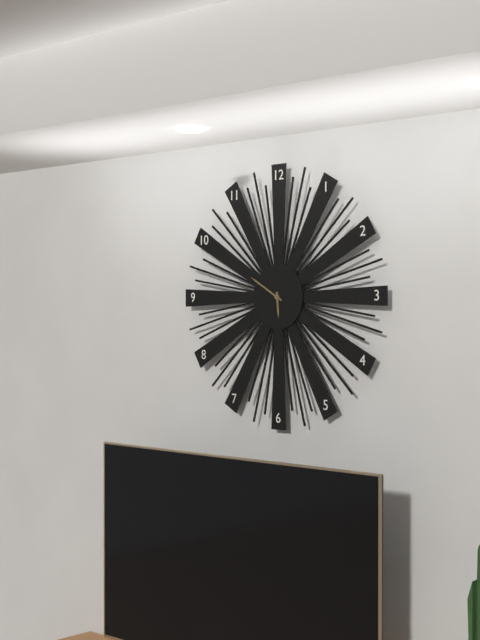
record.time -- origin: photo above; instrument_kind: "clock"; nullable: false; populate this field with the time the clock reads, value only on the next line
5:50
